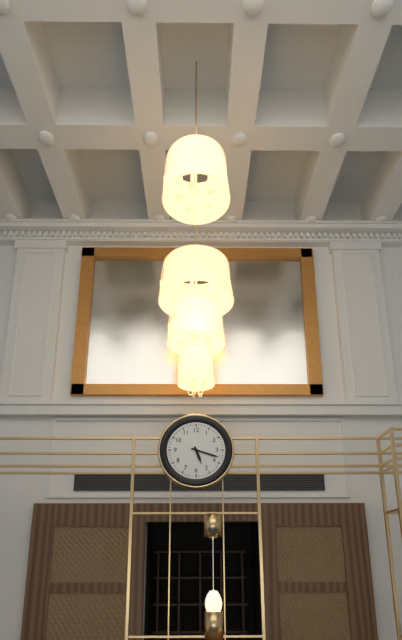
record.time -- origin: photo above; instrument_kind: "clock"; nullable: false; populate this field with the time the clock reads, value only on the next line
5:18
